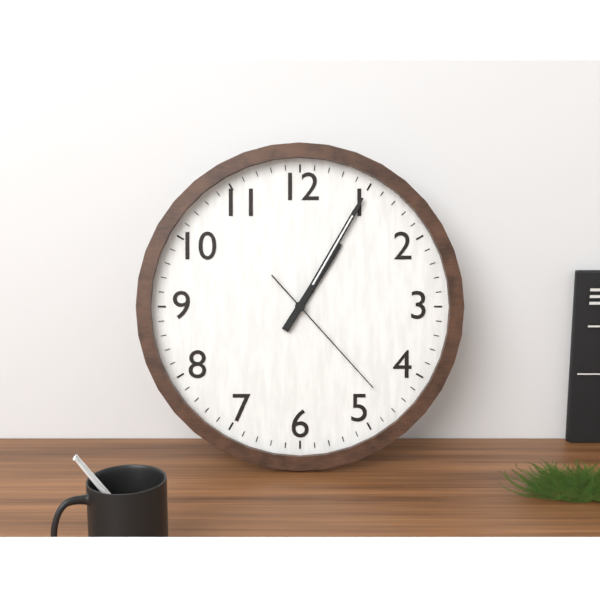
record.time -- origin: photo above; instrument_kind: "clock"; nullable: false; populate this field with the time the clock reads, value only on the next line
1:05:23
